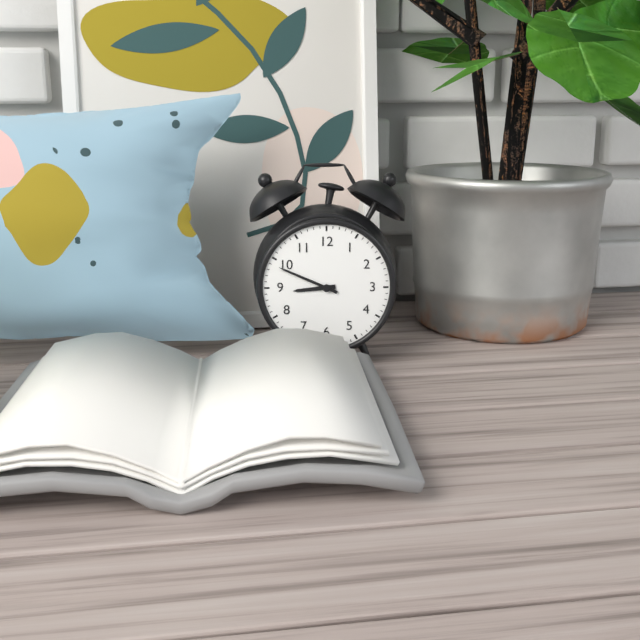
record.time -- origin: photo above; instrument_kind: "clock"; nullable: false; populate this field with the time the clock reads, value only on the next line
8:49
